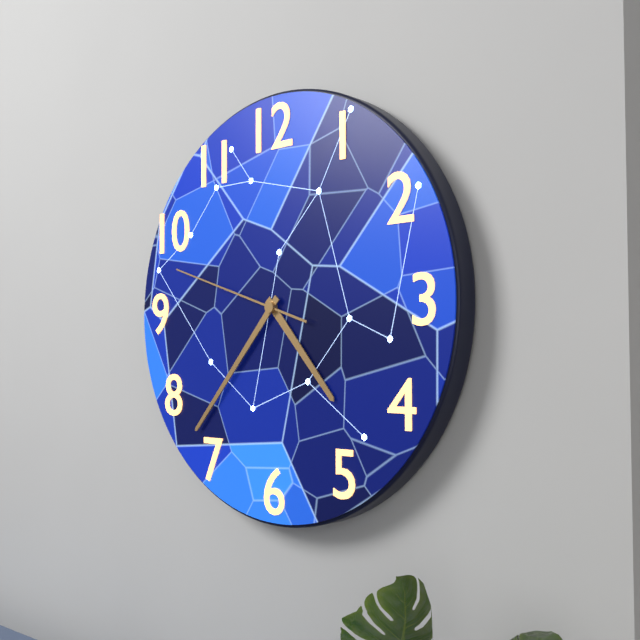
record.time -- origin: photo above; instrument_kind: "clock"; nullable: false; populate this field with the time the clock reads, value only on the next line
4:37:48
